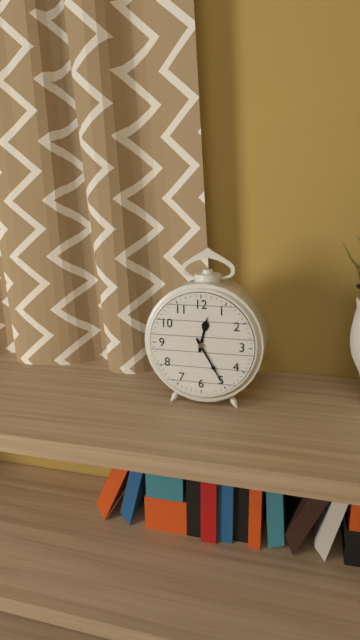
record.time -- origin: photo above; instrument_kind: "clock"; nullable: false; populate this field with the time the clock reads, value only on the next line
12:25
